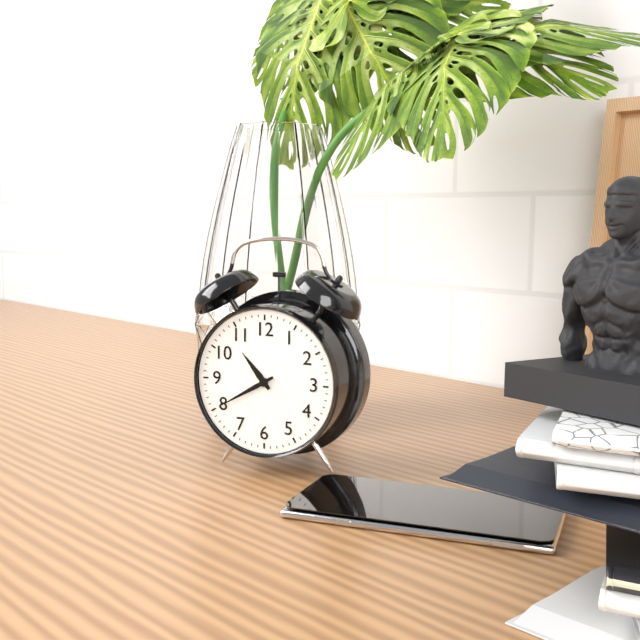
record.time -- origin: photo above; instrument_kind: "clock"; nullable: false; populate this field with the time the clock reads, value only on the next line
10:40
